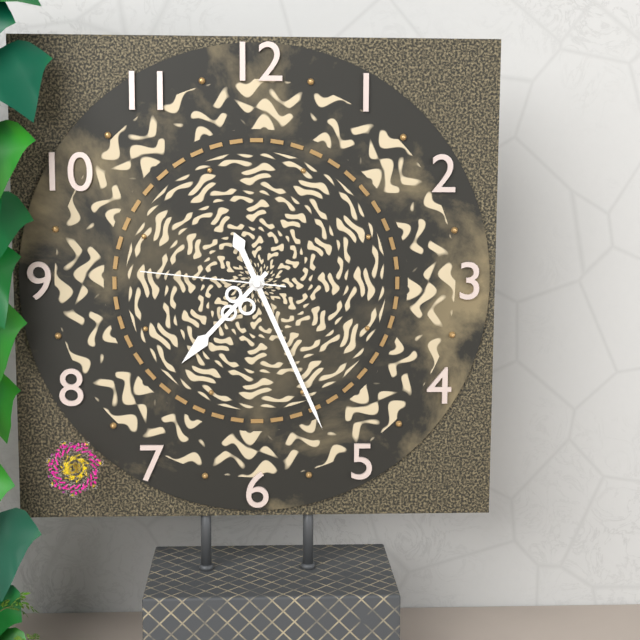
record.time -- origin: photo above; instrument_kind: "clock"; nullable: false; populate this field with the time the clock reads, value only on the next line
7:26:46
